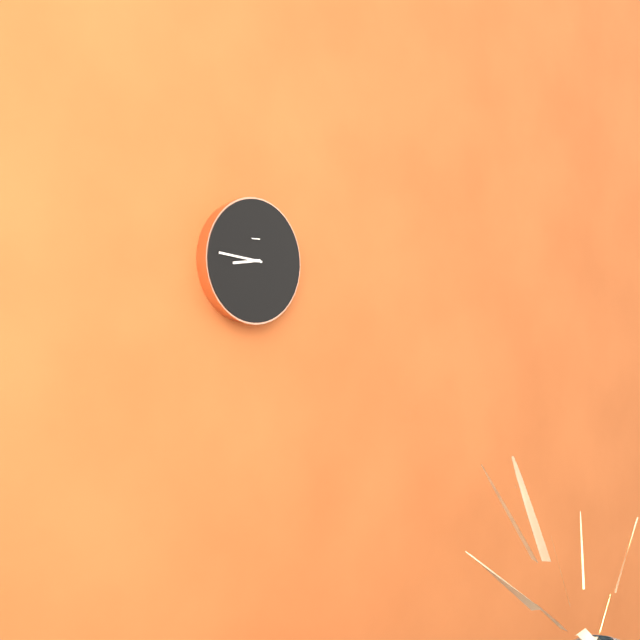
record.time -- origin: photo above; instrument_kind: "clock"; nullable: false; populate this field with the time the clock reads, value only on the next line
8:46
